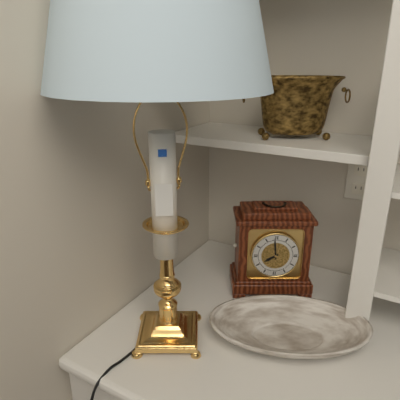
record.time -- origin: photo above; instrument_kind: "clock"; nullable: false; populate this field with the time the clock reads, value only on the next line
7:59
